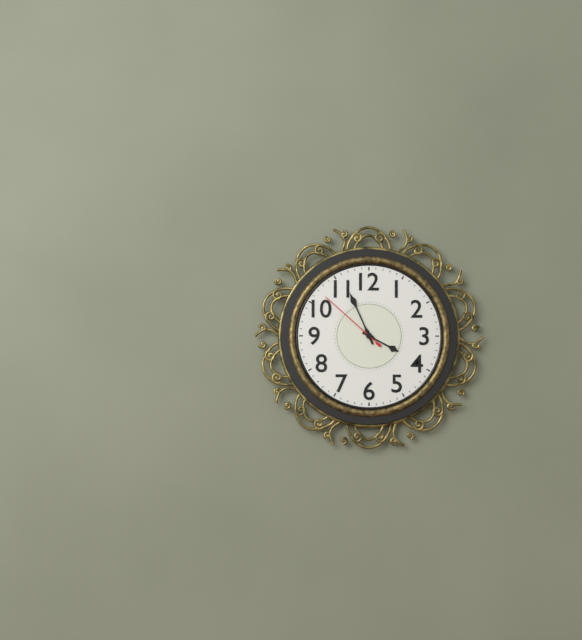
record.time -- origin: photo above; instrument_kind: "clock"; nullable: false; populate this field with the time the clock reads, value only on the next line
3:56:52
